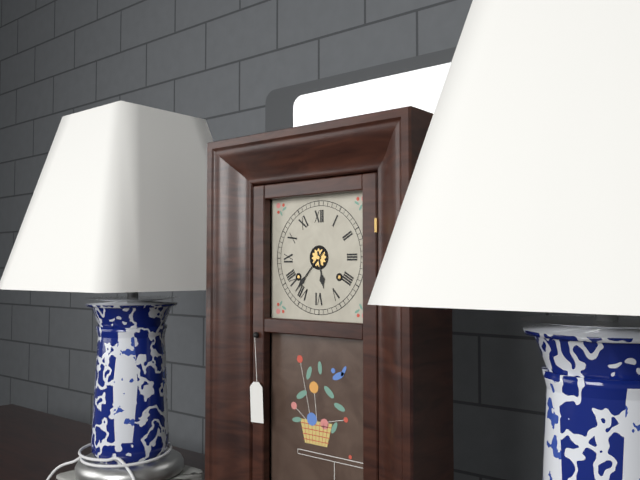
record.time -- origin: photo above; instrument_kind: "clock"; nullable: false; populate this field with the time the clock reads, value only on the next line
5:37
